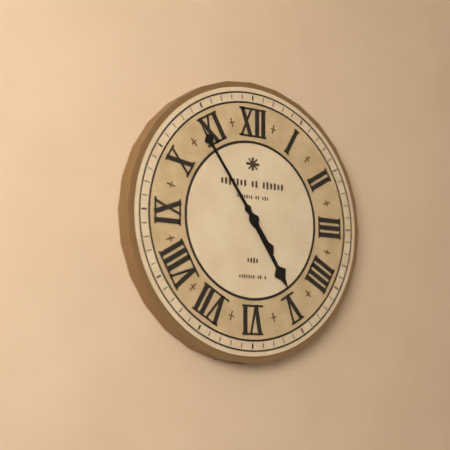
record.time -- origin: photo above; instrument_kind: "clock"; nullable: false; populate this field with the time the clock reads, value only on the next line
4:54
